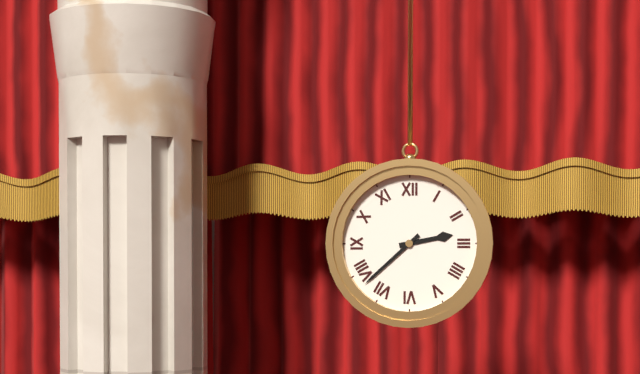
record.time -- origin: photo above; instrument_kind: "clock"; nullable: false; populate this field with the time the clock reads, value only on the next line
2:38
